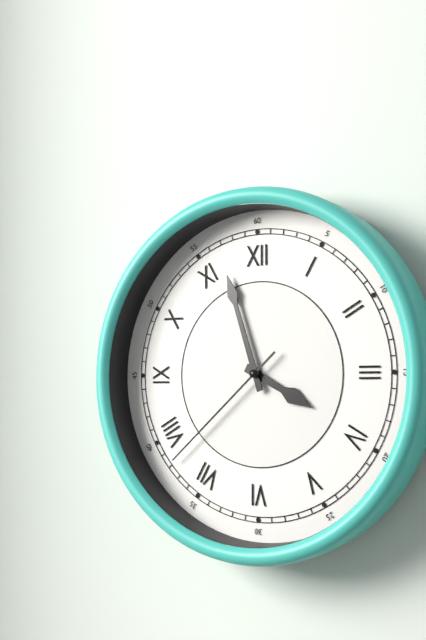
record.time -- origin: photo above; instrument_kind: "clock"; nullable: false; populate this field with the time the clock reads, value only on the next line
3:57:38
